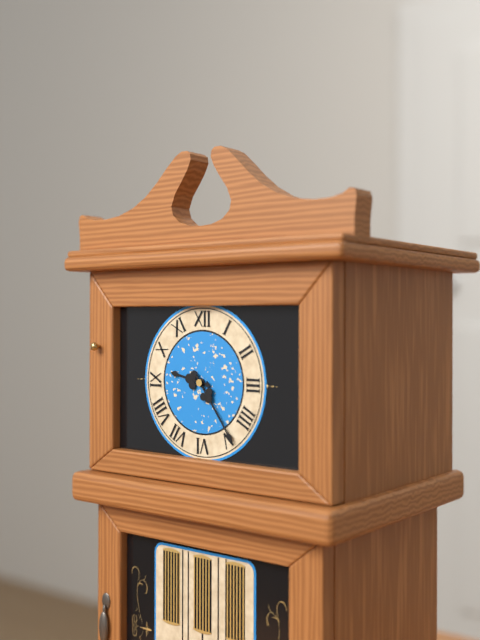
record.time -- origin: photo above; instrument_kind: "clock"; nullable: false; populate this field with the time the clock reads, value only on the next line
9:24
